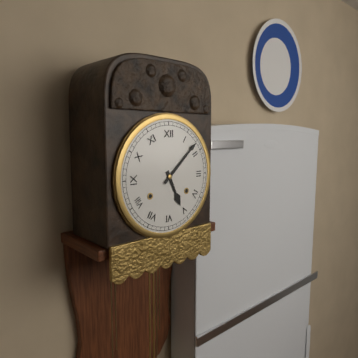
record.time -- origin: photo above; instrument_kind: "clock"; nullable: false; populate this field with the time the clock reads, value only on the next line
5:08
